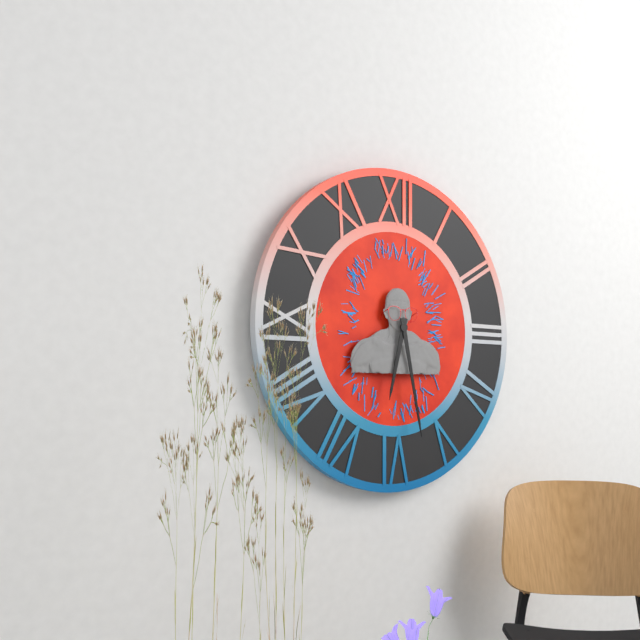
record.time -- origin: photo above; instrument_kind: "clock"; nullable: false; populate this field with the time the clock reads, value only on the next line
6:28
